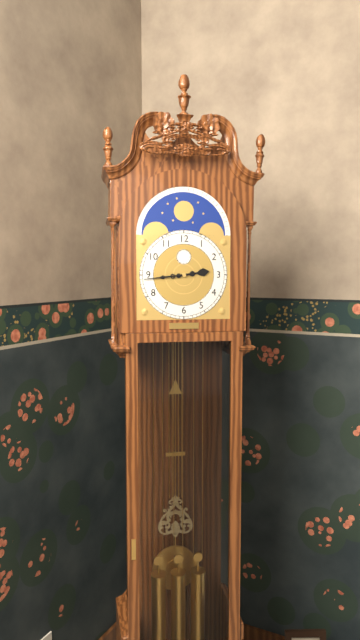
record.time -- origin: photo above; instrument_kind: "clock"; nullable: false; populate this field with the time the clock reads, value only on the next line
2:44
